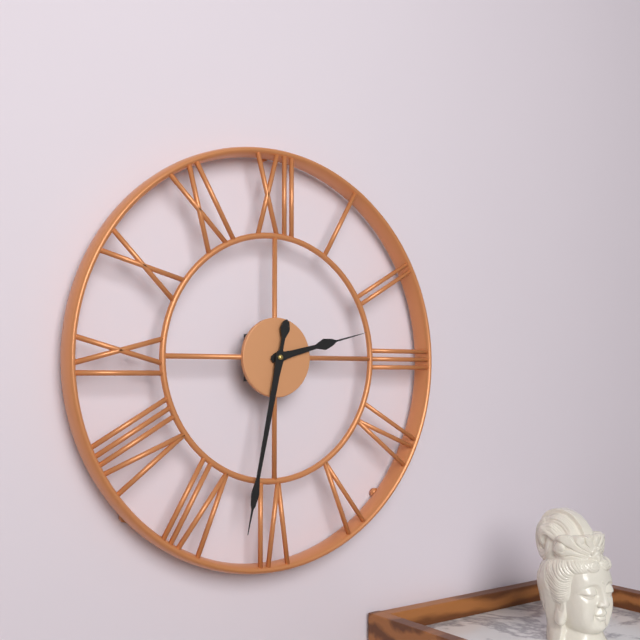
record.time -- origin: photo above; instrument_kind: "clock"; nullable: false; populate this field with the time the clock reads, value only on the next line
2:32
